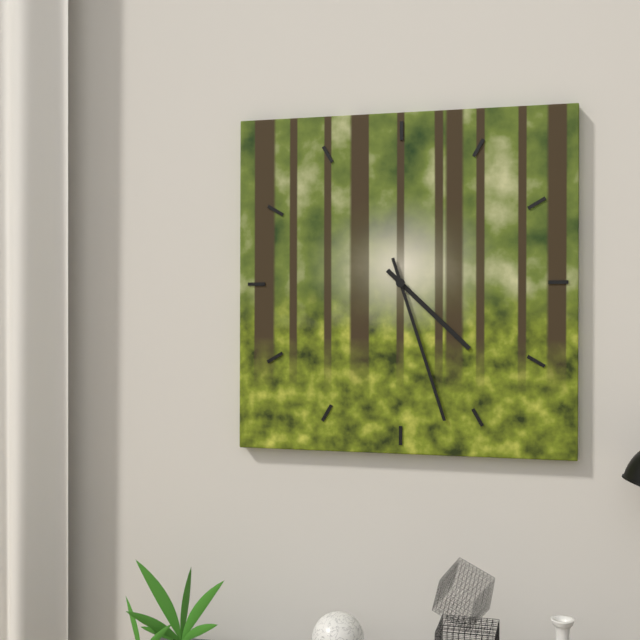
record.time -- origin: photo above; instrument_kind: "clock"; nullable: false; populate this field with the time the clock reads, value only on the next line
4:27
